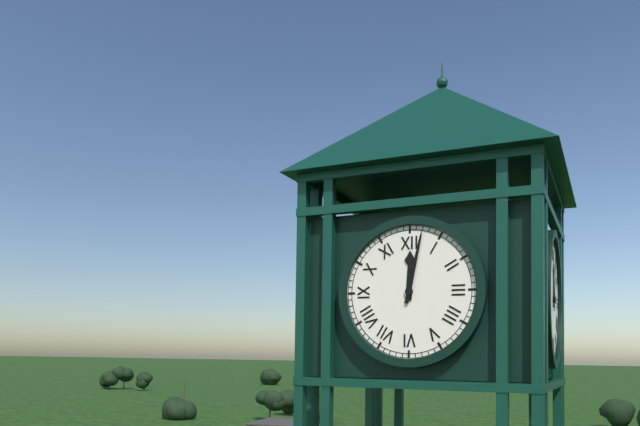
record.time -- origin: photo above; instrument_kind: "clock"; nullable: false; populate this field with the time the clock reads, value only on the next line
12:02
